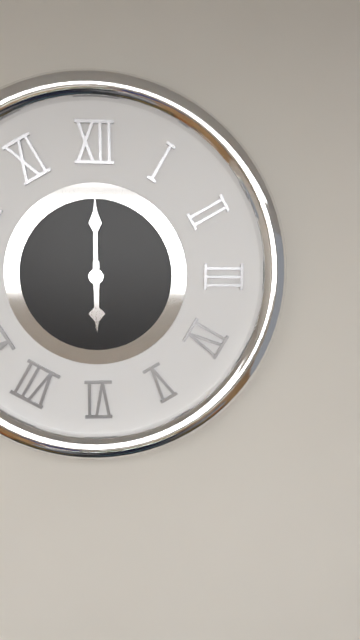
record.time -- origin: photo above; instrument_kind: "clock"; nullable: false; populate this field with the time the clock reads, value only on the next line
6:00
